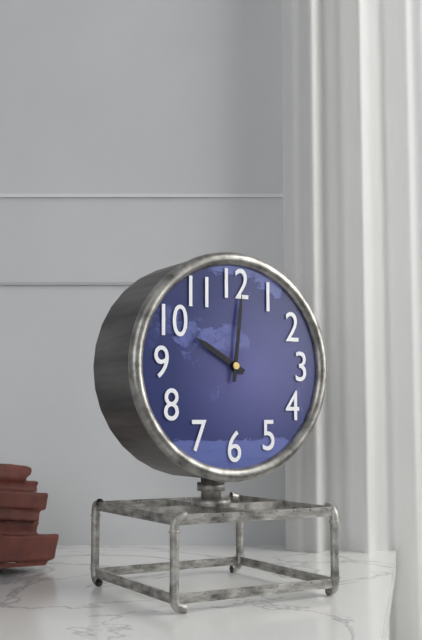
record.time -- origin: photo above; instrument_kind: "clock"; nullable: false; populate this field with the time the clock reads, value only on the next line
10:01
